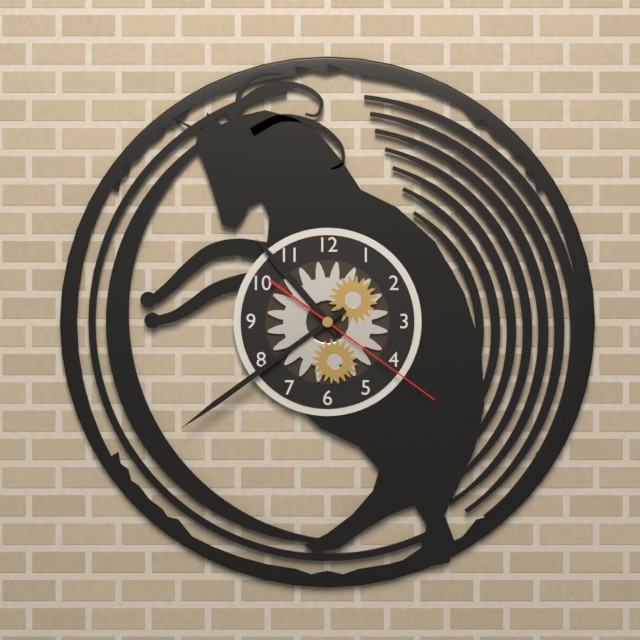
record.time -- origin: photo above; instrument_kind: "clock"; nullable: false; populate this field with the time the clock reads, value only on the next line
10:39:21
